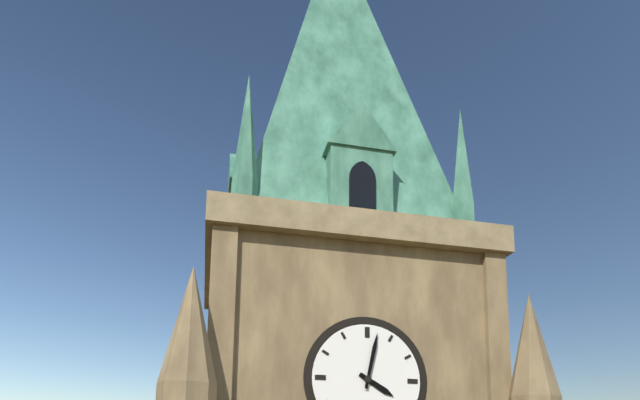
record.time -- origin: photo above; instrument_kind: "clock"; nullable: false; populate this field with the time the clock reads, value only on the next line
4:02
